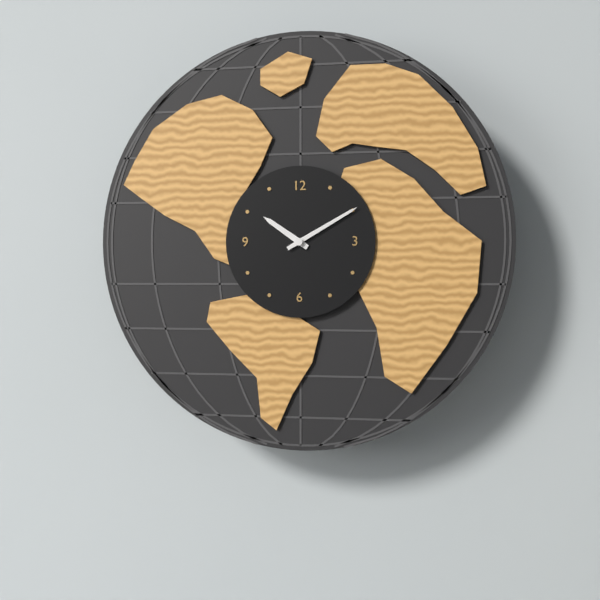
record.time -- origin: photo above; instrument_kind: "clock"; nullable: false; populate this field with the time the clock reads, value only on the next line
10:10
